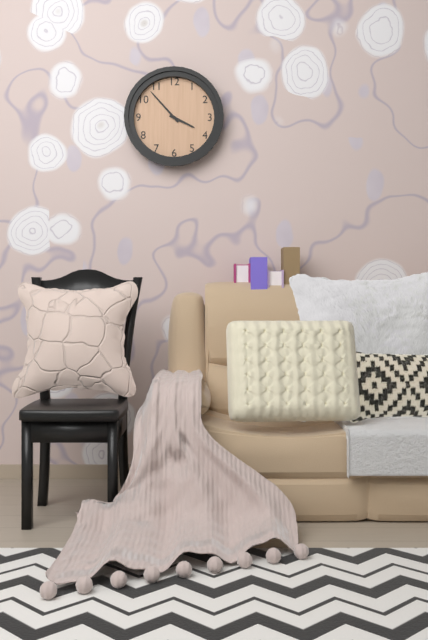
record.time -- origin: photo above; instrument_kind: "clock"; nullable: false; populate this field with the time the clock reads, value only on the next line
3:53
